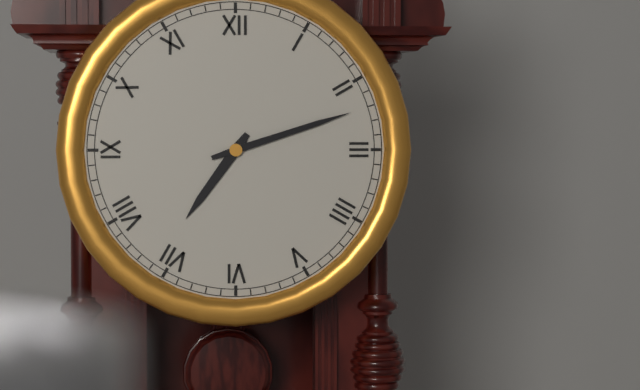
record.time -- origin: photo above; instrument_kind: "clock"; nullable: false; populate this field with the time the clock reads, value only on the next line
7:12
